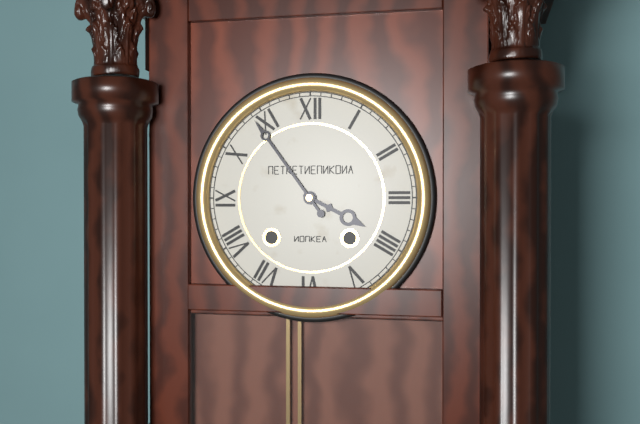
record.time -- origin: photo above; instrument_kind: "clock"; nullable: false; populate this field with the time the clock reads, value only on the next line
3:54
